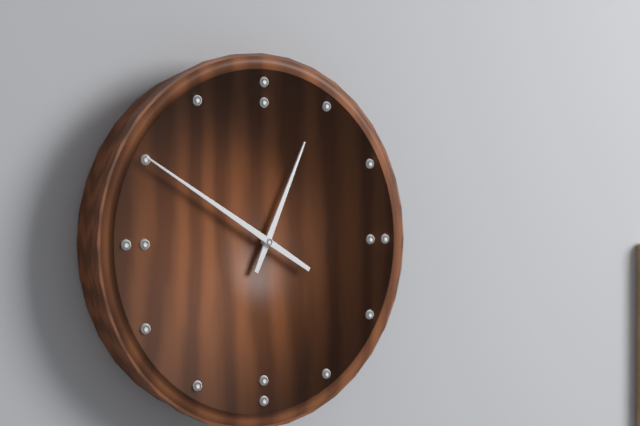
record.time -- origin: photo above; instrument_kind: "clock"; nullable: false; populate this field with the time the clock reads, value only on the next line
12:50
